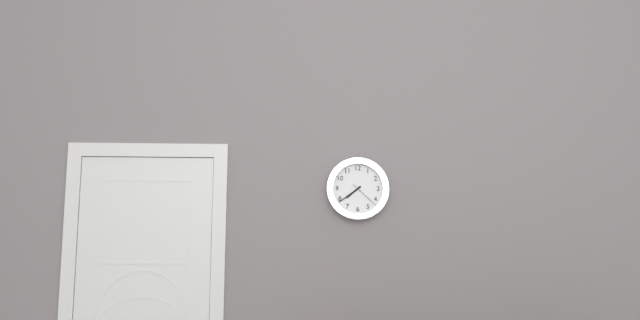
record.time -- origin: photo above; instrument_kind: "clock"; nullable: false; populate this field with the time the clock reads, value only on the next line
7:39
